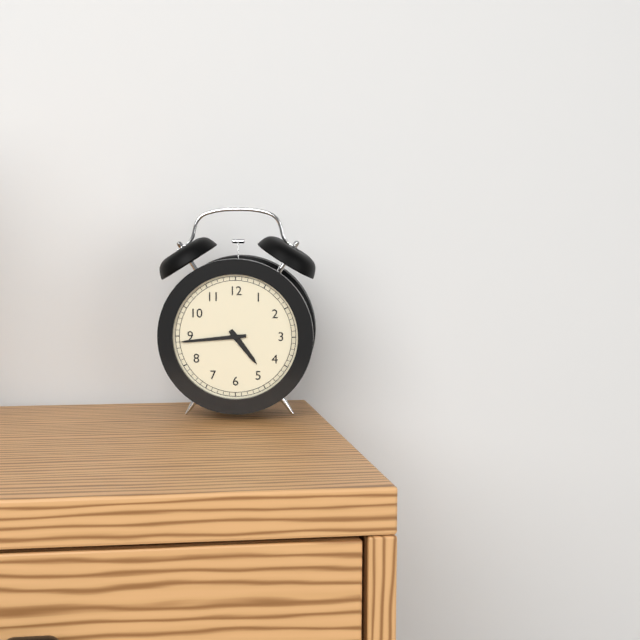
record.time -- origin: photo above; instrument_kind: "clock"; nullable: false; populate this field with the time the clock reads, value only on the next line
4:44
